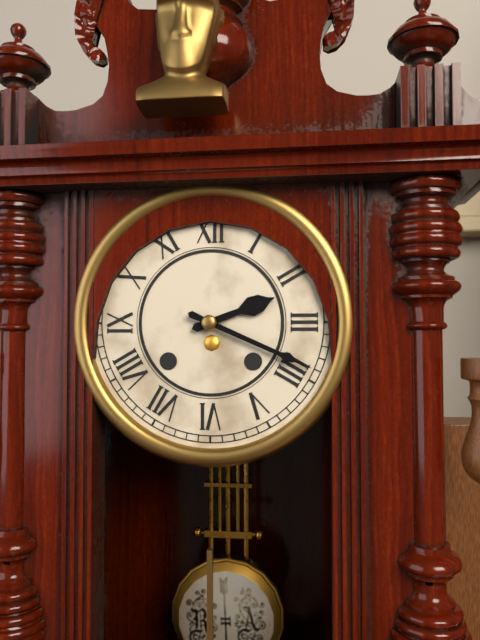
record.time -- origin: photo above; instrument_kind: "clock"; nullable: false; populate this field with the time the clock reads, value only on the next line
2:19
